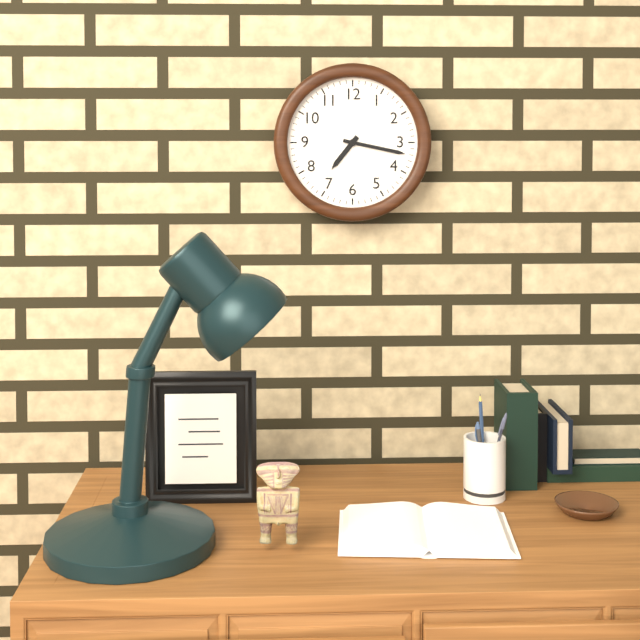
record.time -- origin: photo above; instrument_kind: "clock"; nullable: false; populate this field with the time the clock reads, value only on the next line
7:17
